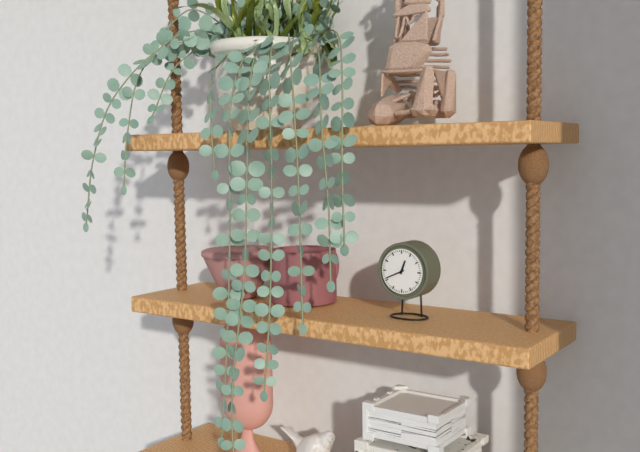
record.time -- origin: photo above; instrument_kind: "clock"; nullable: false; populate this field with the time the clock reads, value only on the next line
12:41
